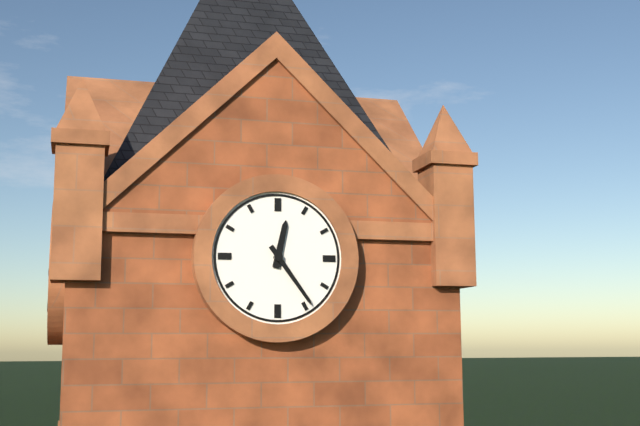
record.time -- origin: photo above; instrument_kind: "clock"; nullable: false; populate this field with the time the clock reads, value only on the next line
12:24
